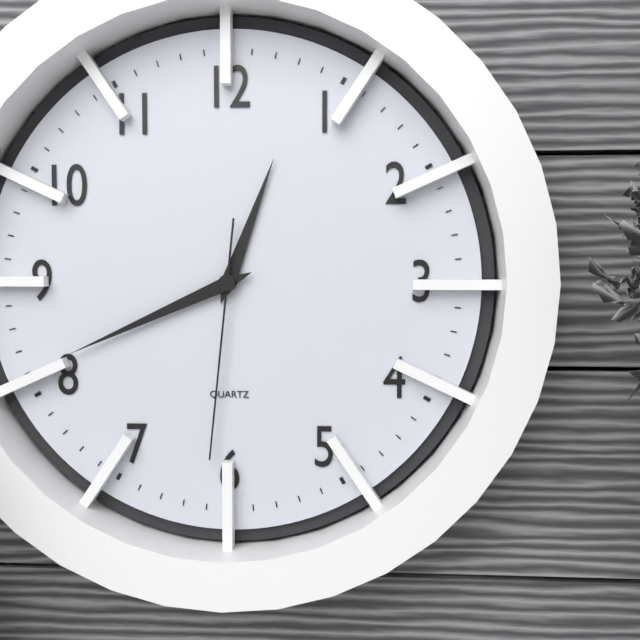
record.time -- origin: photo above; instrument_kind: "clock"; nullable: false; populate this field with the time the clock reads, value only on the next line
12:41:31
